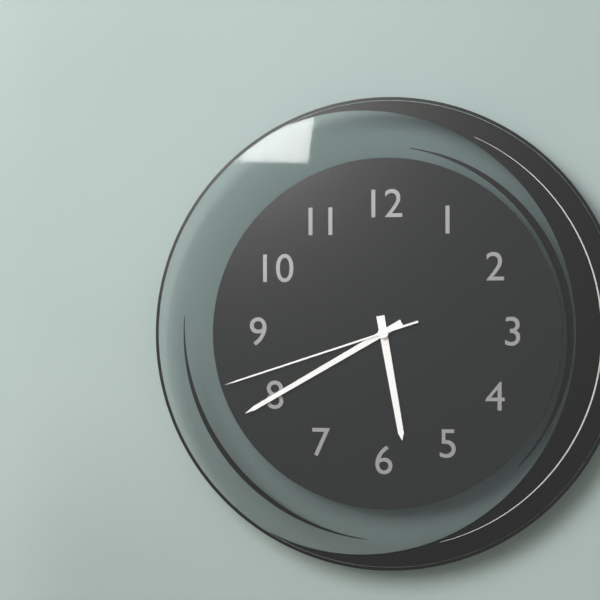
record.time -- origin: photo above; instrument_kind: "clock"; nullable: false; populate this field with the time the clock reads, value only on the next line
5:40:42
